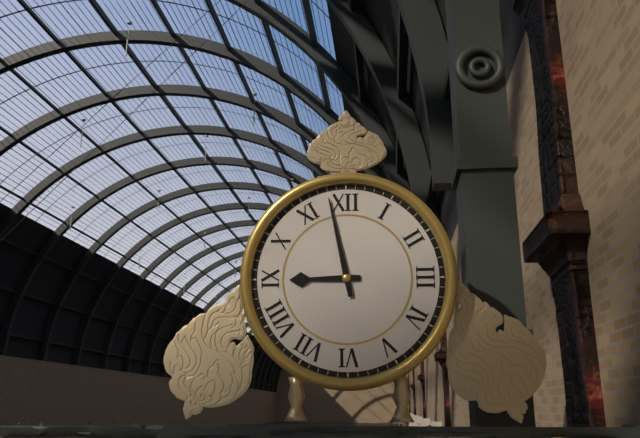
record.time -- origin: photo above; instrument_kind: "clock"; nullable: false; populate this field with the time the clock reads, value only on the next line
8:58
